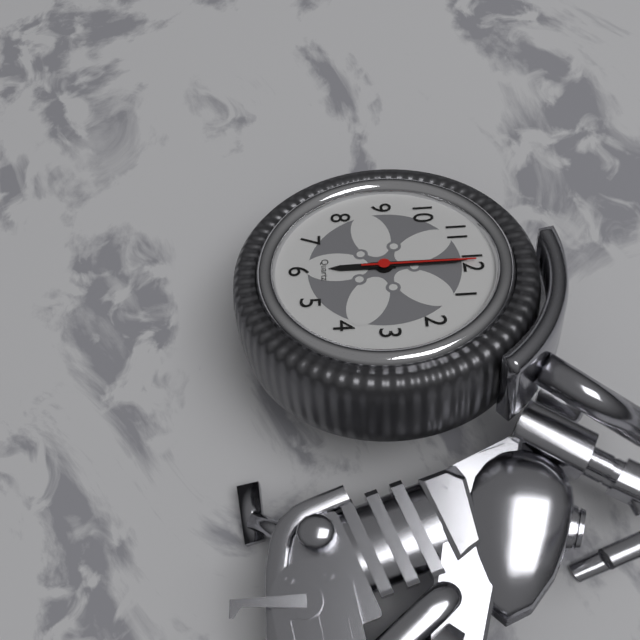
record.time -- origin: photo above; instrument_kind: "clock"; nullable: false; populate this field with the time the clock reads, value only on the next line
6:00:00
